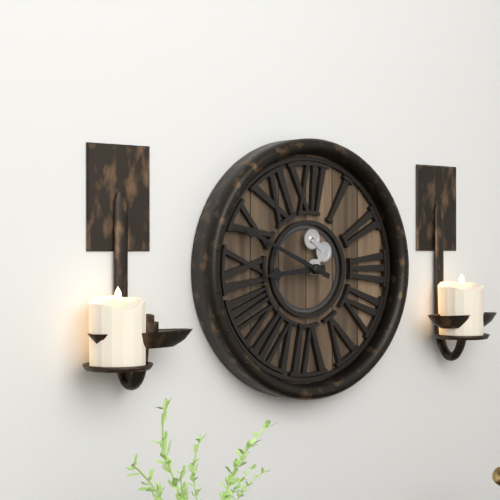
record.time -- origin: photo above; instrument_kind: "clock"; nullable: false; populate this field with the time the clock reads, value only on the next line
8:49
